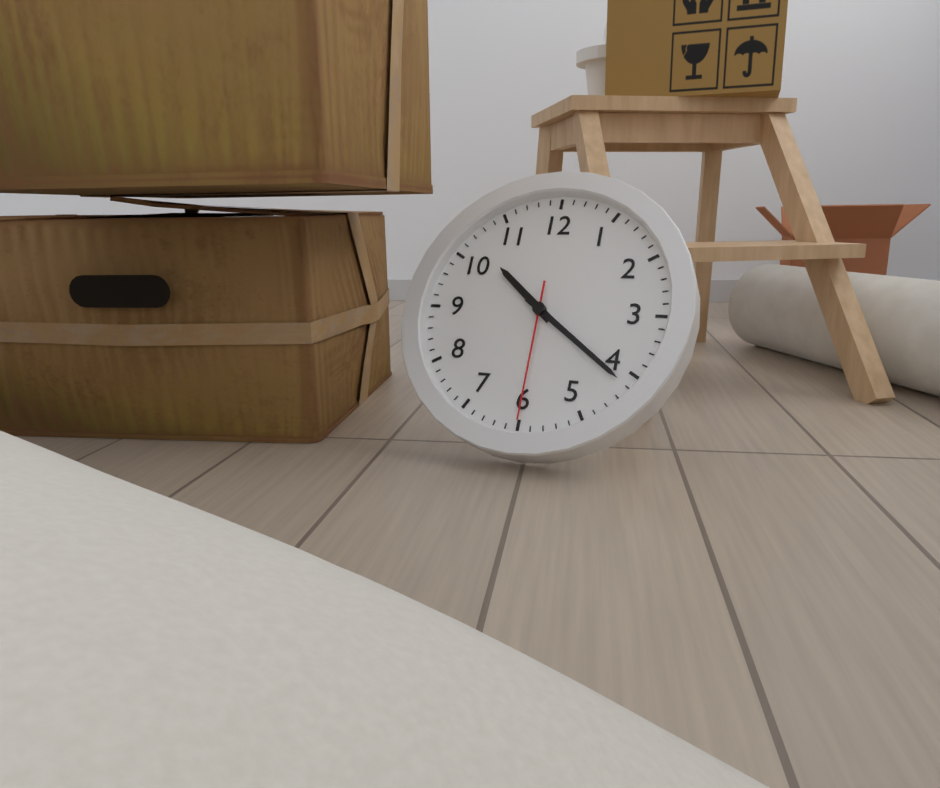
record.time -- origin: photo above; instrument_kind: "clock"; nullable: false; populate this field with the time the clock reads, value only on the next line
10:21:30
